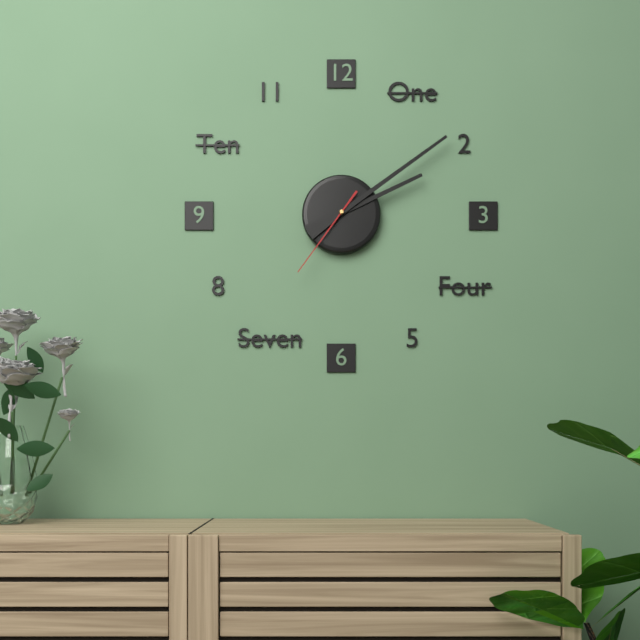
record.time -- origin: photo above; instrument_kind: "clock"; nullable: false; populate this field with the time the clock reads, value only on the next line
2:09:36
